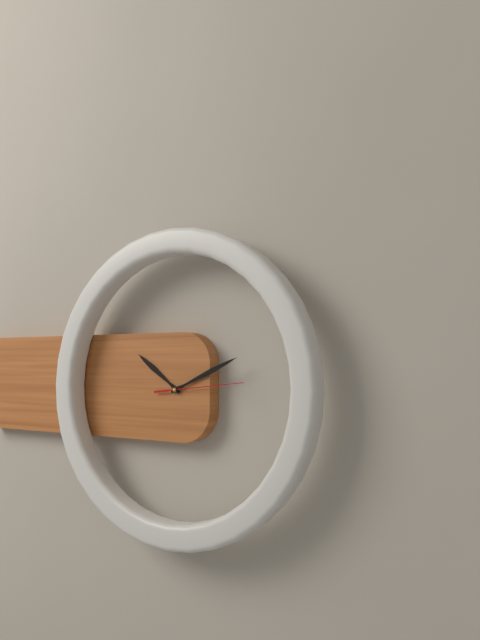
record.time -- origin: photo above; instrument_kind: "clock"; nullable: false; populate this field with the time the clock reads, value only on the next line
10:11:14
